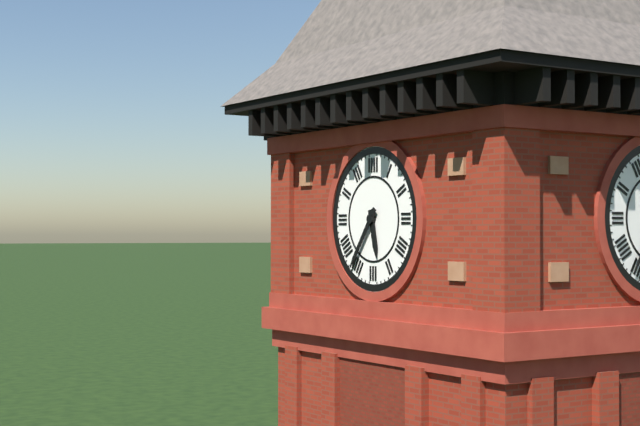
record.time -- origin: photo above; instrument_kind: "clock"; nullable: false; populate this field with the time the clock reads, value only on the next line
5:36
